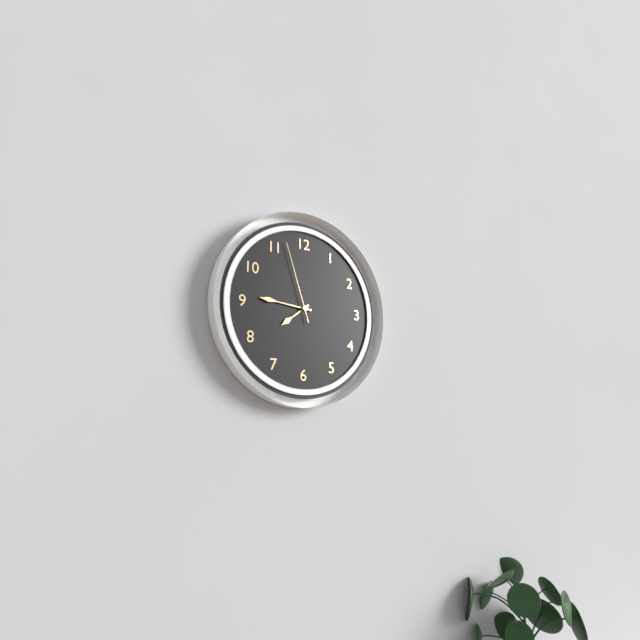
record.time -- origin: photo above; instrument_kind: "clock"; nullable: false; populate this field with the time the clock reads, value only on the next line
7:46:57
